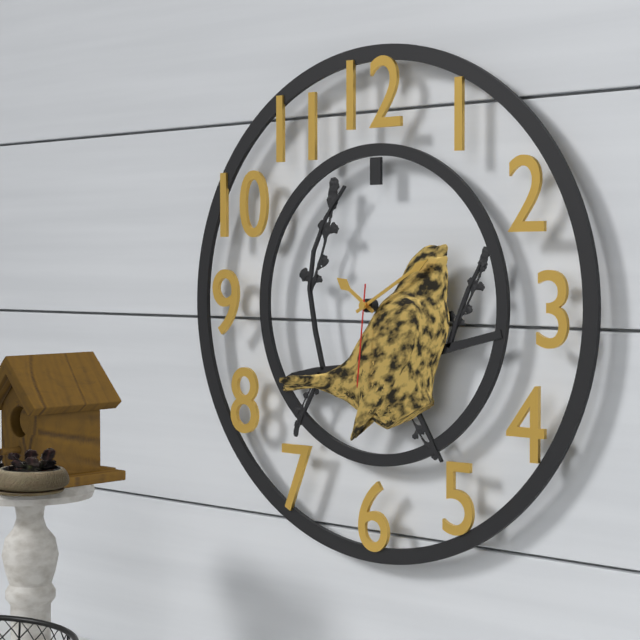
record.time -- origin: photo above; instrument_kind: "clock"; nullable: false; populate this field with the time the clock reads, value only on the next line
10:10:31
